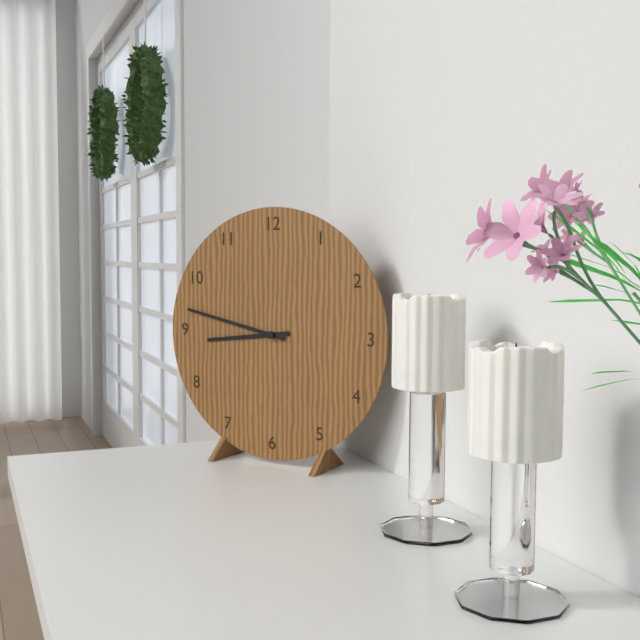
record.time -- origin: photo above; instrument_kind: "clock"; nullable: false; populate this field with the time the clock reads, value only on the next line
8:47
